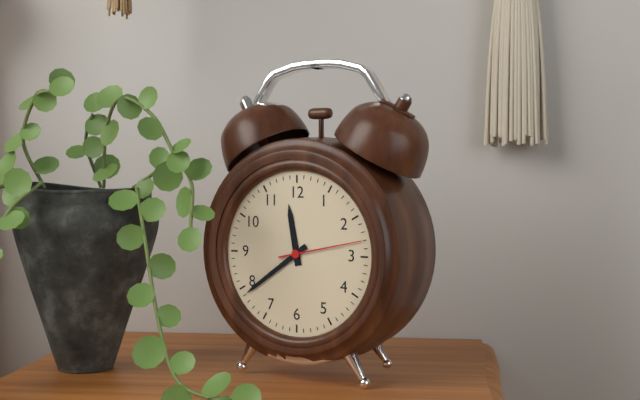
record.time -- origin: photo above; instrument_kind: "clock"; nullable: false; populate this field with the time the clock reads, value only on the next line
11:39:13
